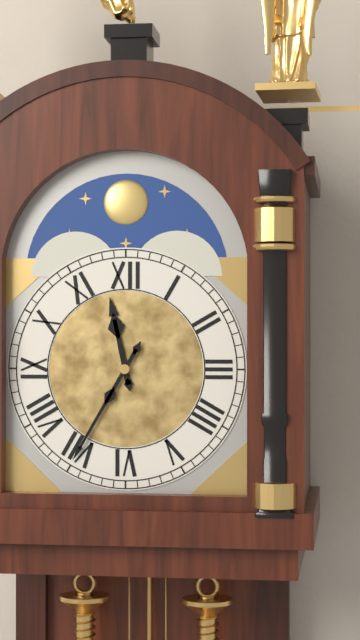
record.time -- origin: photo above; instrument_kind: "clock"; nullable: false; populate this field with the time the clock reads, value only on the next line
11:35
